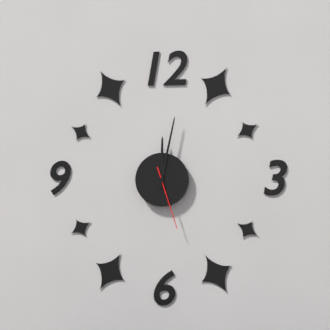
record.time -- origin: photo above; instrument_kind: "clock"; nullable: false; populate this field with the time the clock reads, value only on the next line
12:02:27
